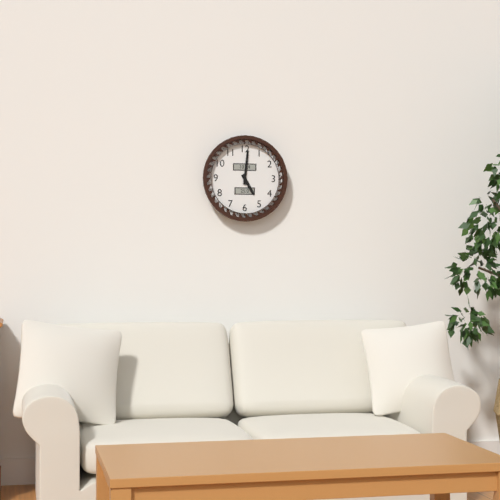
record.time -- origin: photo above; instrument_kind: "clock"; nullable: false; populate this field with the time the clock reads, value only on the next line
5:01
